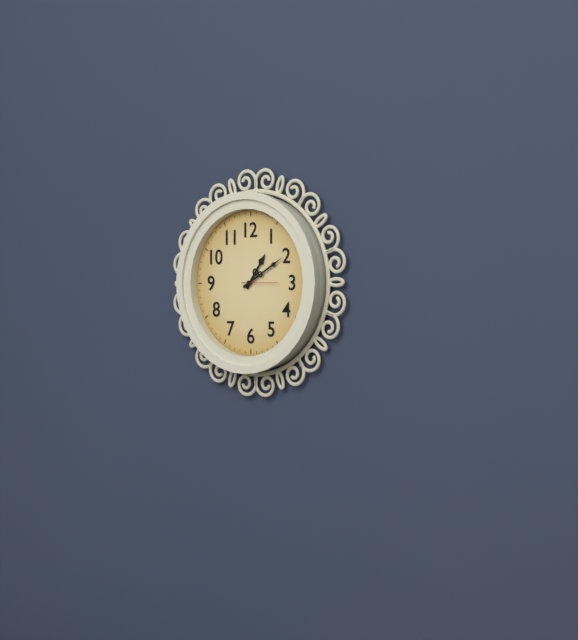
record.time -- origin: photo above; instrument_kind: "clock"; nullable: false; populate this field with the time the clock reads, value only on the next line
1:10
